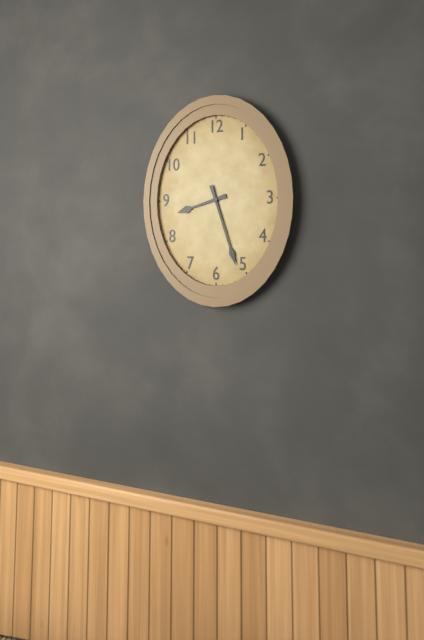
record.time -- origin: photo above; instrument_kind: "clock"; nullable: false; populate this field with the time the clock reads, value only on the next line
8:27
